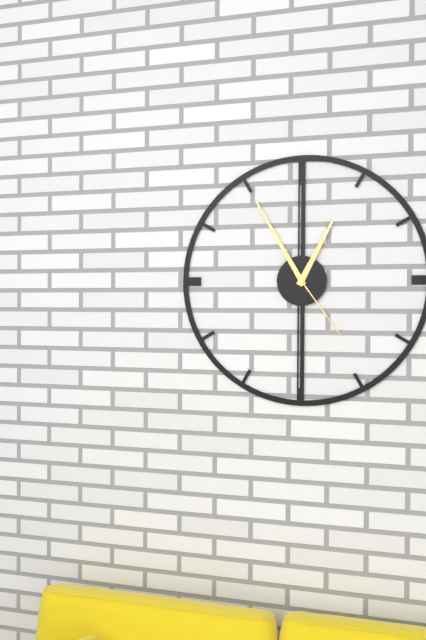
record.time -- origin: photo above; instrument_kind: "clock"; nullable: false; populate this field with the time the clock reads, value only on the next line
12:55:24
